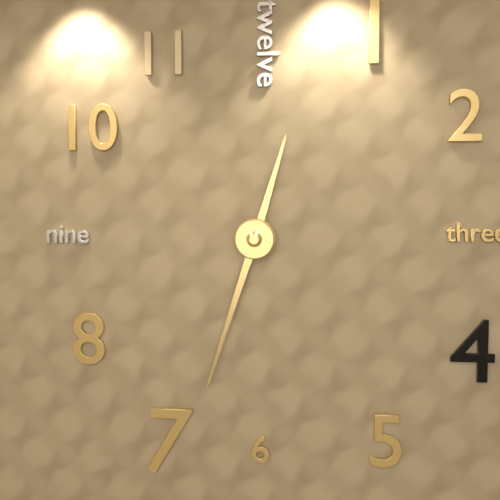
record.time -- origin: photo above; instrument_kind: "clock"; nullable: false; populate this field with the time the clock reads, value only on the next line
12:33
